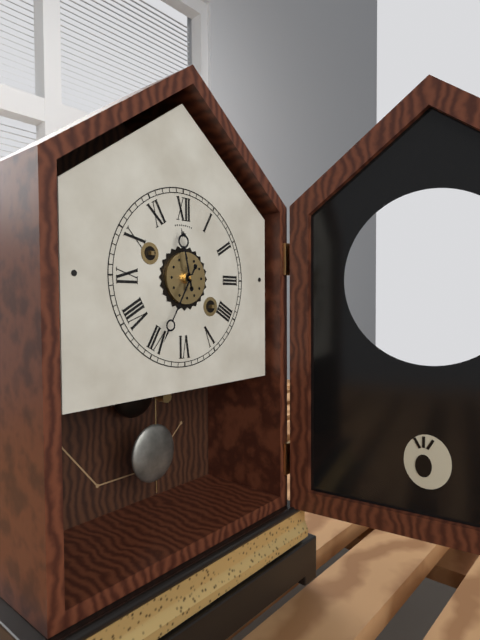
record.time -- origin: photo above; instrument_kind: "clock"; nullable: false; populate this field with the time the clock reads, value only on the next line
11:35
